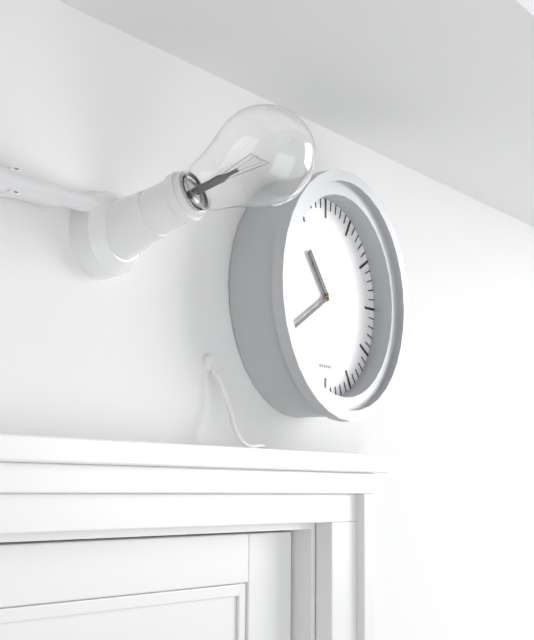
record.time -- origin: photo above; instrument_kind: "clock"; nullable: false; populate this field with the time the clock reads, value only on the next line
10:40
